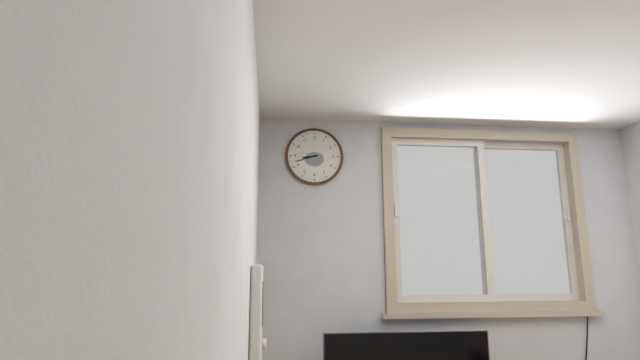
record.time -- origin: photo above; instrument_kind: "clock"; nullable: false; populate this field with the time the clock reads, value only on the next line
8:42
